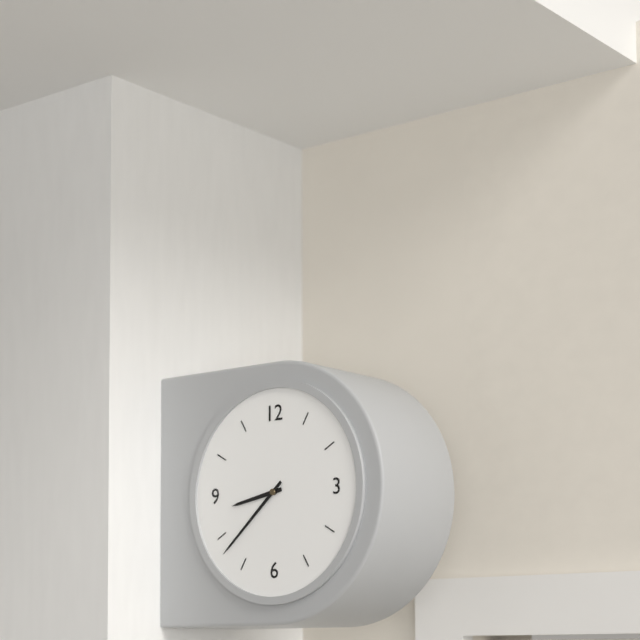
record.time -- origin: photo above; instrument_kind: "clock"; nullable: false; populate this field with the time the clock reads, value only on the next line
8:38
